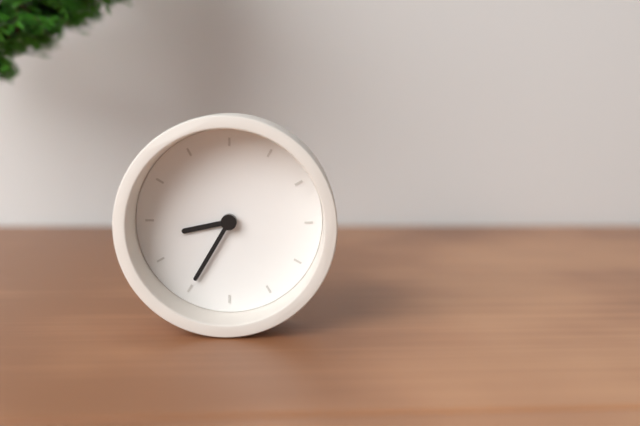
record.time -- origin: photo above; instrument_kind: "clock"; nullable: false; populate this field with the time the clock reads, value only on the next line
8:35
